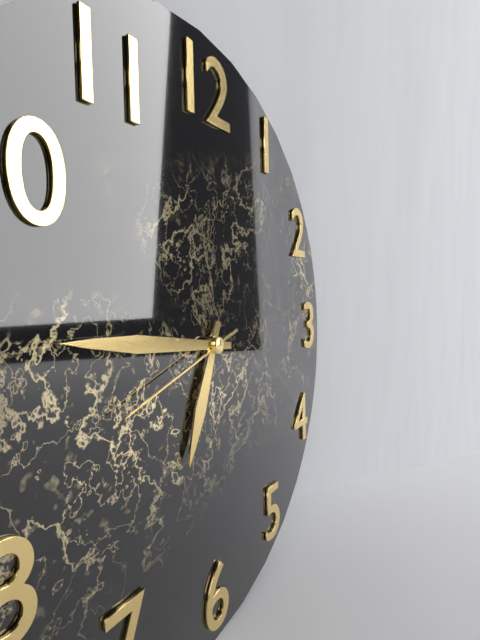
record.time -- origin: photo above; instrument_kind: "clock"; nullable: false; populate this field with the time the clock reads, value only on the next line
6:46:42
